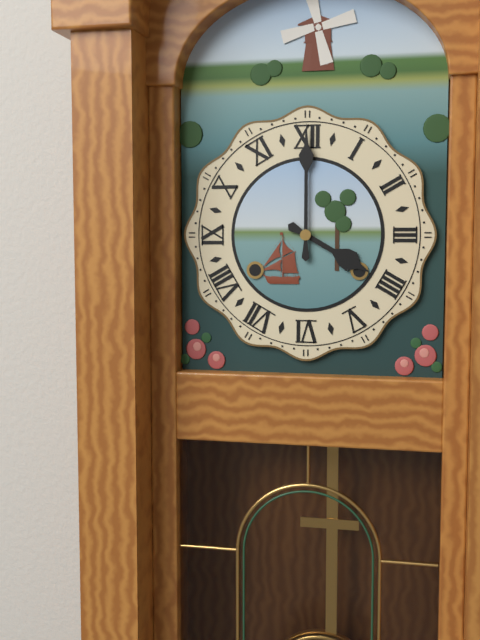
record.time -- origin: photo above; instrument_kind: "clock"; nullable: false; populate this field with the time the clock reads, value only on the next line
4:00
